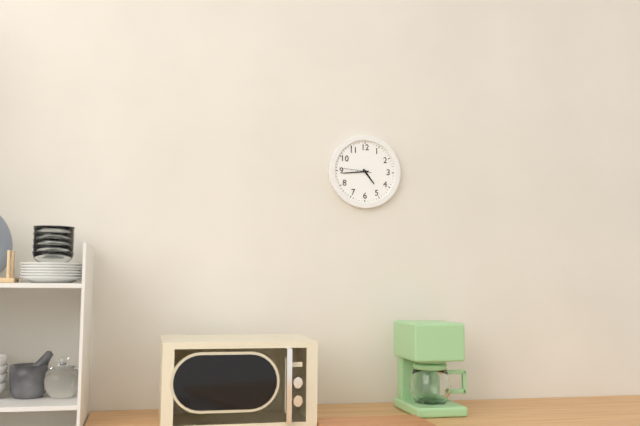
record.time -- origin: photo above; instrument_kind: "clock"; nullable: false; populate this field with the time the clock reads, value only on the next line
4:44
